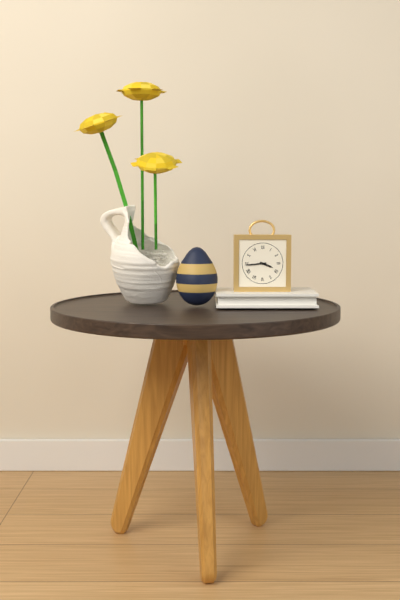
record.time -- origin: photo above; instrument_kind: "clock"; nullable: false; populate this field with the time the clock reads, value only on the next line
3:44
